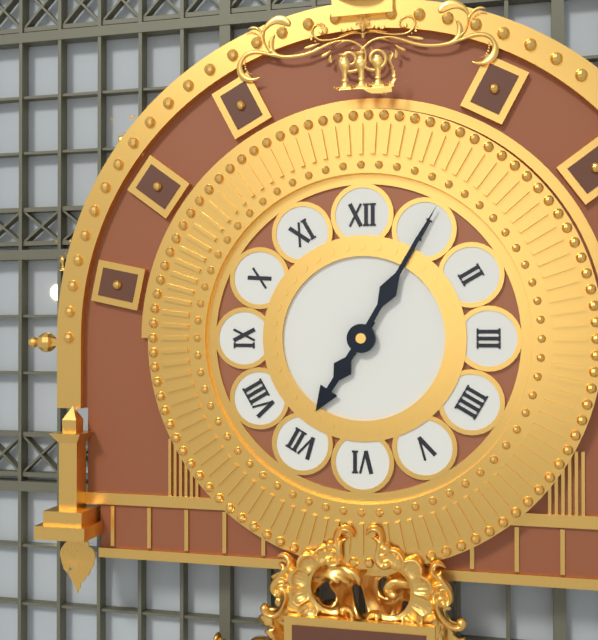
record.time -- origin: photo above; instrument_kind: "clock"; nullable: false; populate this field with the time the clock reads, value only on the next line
7:05
